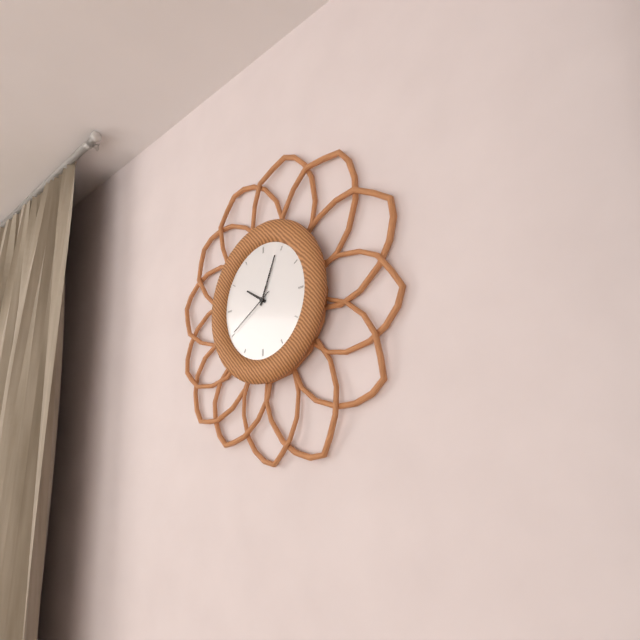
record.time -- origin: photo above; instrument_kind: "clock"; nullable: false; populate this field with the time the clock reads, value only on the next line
10:04:40
